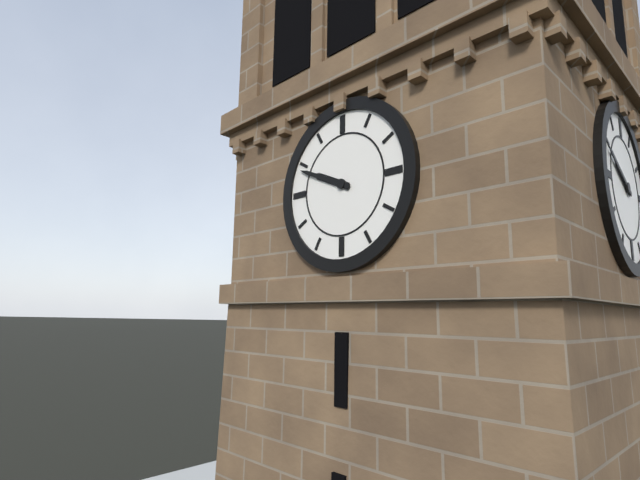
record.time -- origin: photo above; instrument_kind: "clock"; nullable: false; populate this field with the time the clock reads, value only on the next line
9:49
